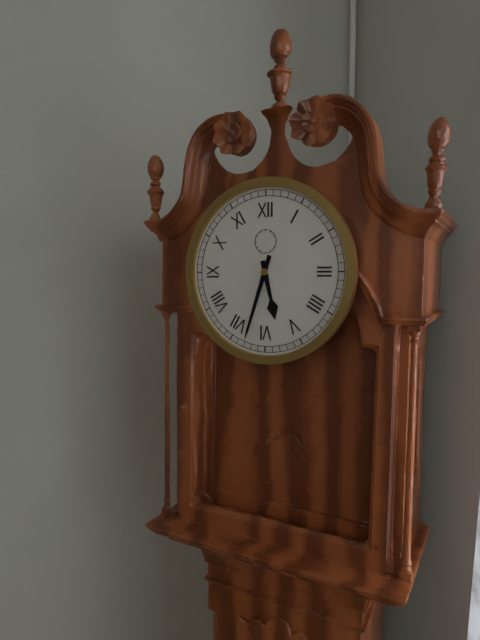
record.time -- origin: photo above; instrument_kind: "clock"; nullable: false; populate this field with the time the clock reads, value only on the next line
5:33
